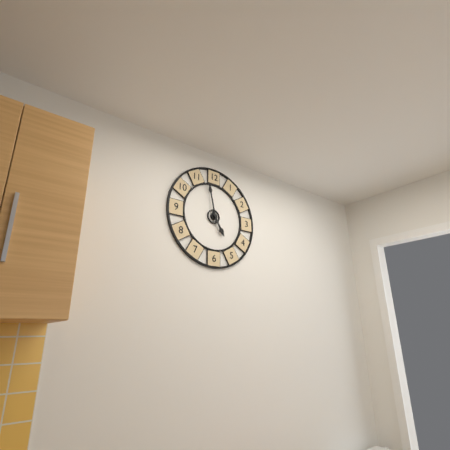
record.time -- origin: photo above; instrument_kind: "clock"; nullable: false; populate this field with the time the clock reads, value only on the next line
4:58
